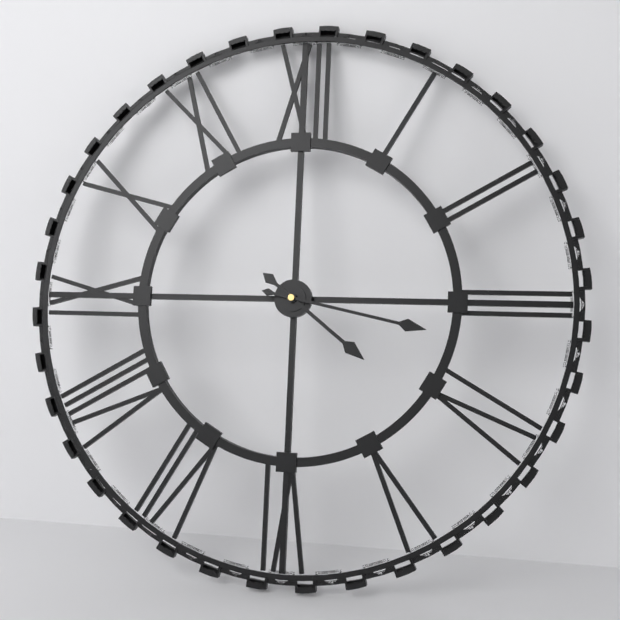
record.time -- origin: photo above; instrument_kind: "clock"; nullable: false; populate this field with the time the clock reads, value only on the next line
4:17
